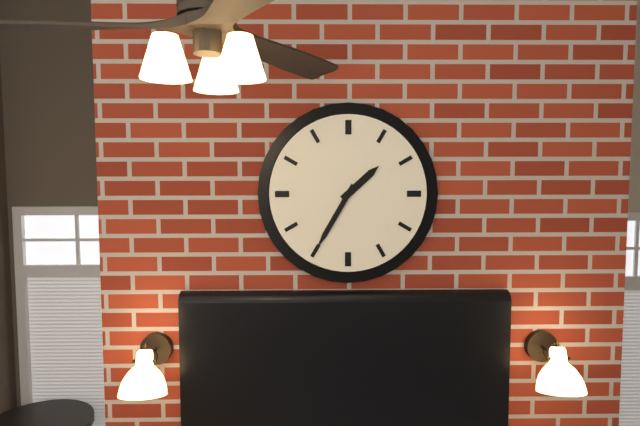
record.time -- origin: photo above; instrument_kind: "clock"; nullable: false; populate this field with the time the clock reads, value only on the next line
1:35
